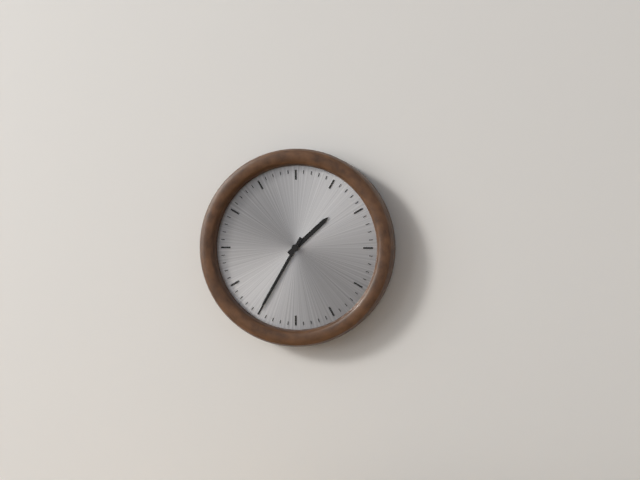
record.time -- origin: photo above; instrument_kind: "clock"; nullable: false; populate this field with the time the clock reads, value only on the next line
1:35
